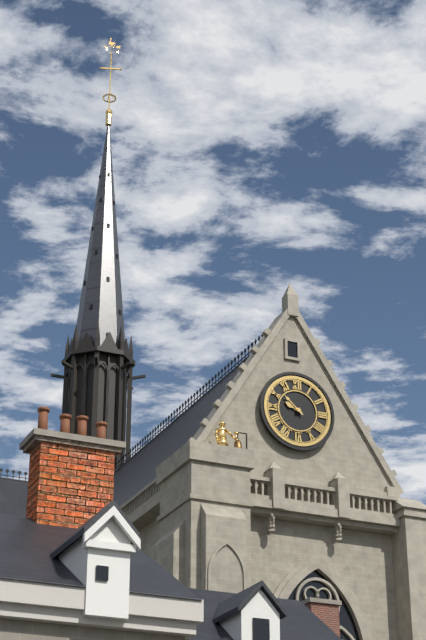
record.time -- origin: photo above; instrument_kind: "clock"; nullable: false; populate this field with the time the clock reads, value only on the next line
9:52
